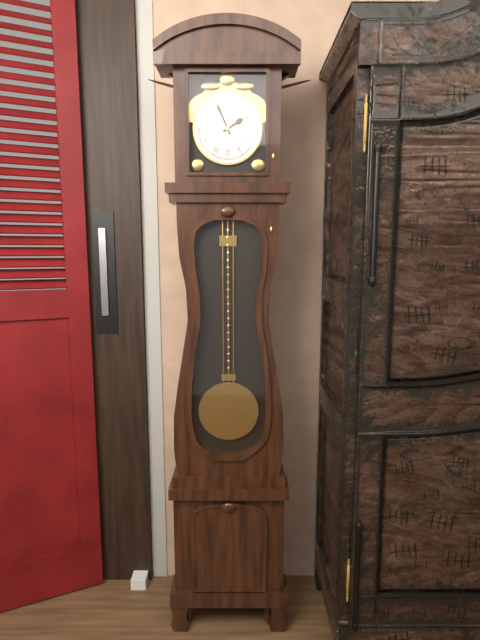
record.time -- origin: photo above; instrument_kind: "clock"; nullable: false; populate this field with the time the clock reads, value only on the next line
1:56
